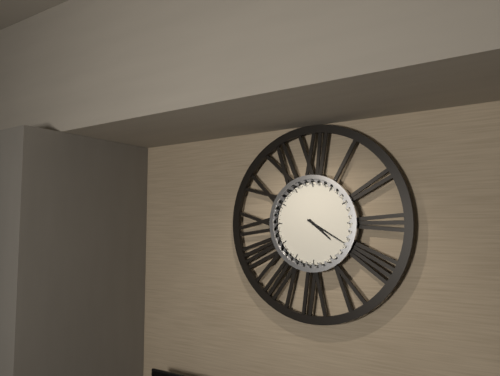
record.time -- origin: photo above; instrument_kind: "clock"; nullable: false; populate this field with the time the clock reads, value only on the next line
4:20
